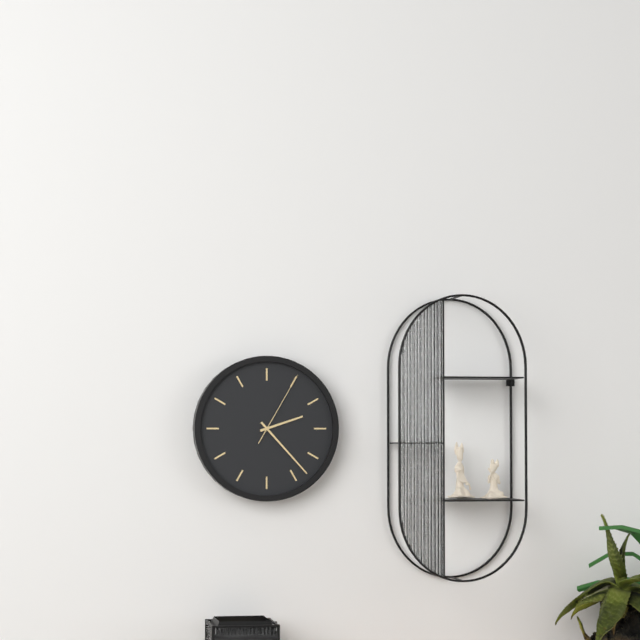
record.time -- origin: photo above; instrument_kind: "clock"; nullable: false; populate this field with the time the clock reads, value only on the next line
2:23:05
